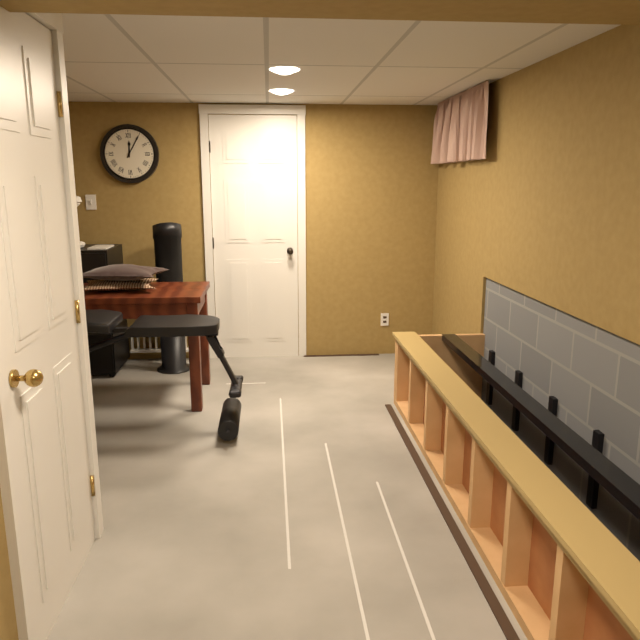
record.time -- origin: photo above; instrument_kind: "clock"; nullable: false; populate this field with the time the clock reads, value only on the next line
12:05
